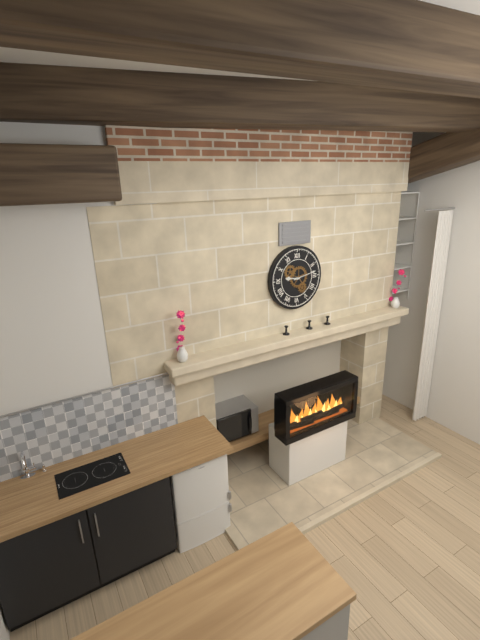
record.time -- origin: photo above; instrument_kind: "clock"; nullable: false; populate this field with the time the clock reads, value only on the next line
9:13
